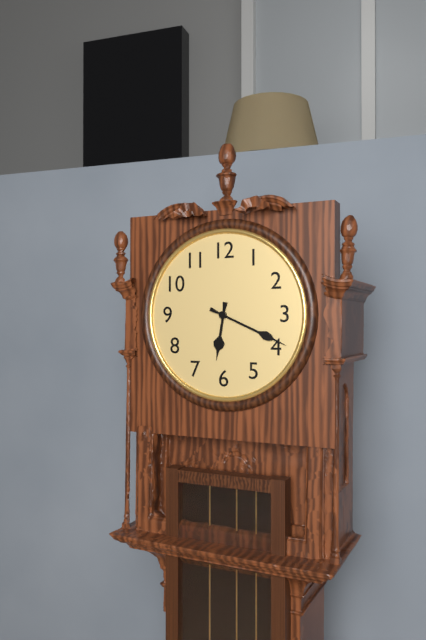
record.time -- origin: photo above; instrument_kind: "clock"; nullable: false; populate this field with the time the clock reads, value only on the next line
6:19
